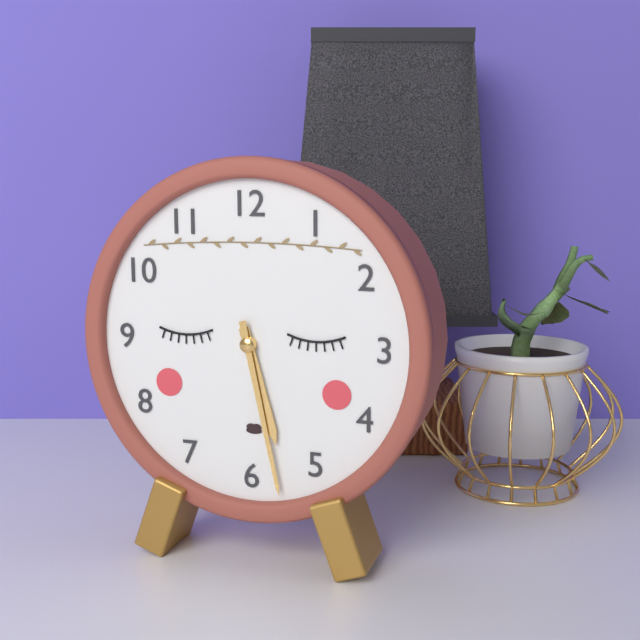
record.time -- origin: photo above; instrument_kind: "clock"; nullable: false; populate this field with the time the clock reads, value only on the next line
5:28
